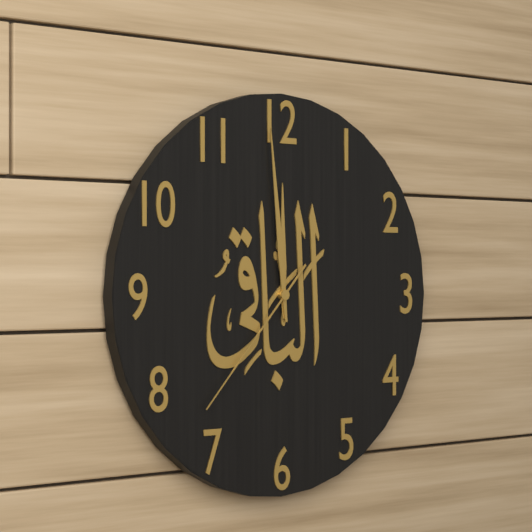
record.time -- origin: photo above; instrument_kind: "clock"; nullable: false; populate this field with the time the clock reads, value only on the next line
11:59:37
